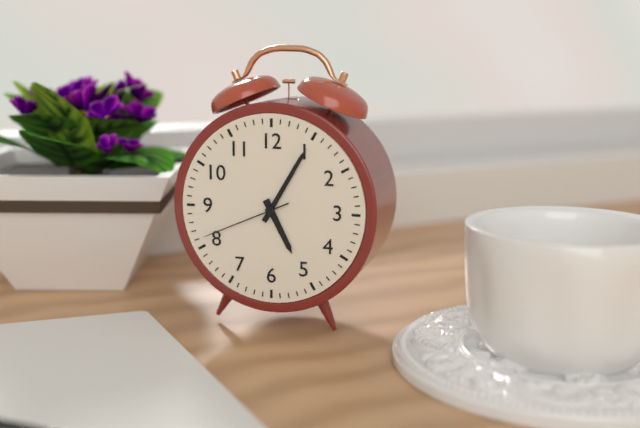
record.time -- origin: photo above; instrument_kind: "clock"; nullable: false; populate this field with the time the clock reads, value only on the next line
5:05:41
